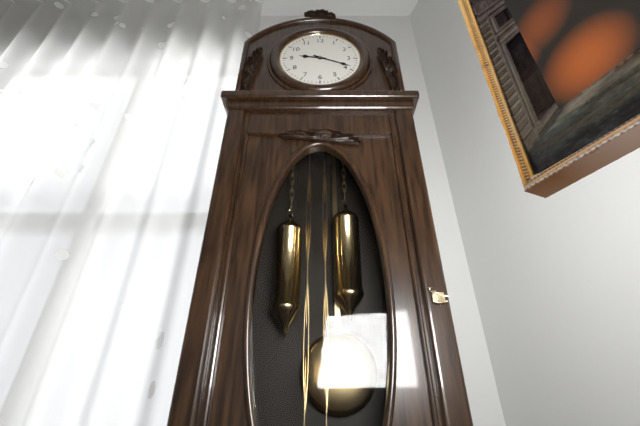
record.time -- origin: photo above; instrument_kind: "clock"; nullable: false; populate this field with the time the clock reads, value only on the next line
9:19
